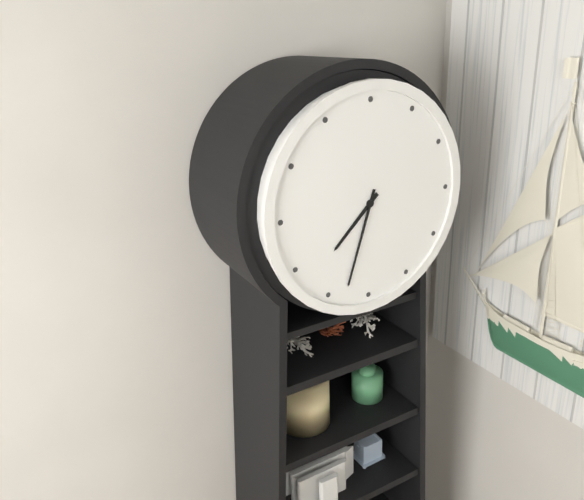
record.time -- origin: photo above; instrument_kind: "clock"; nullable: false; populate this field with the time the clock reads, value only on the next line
7:33
